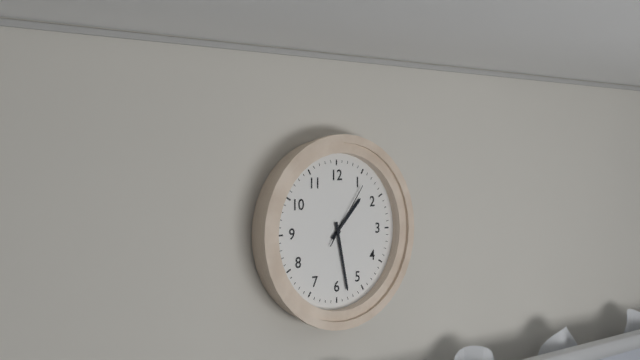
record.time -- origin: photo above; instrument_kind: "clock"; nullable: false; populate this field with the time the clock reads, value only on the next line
1:28:06
